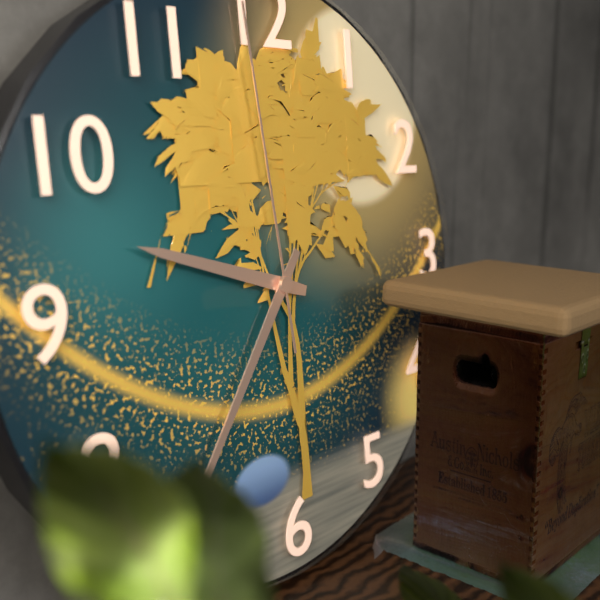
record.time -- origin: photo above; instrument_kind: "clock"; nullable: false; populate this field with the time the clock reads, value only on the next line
9:36:59
